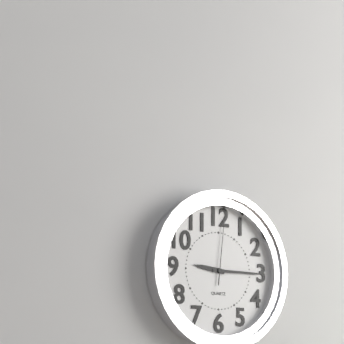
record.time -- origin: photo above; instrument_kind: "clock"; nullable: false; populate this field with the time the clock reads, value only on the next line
9:15:01
